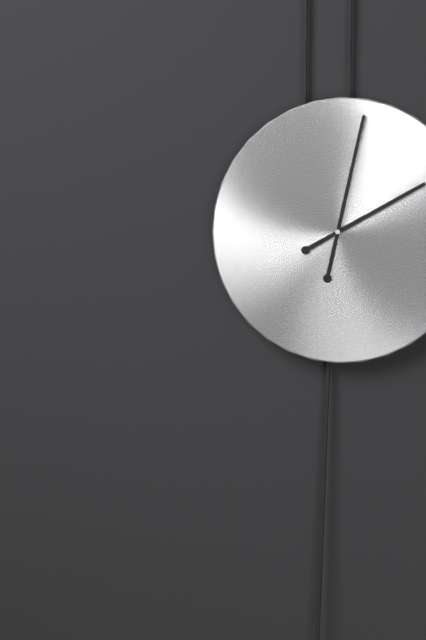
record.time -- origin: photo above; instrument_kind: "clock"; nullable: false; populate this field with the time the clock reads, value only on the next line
2:02
